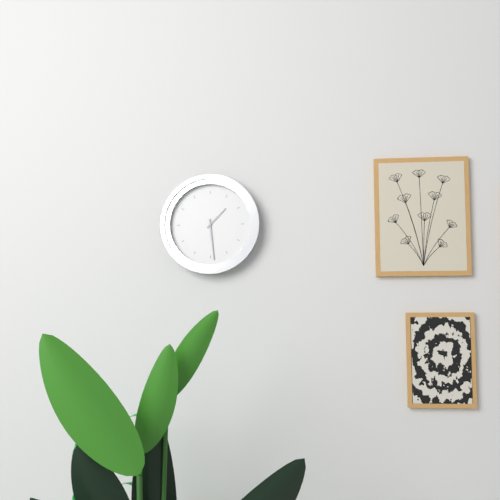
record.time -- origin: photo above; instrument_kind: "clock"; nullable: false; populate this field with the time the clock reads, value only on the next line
1:29
